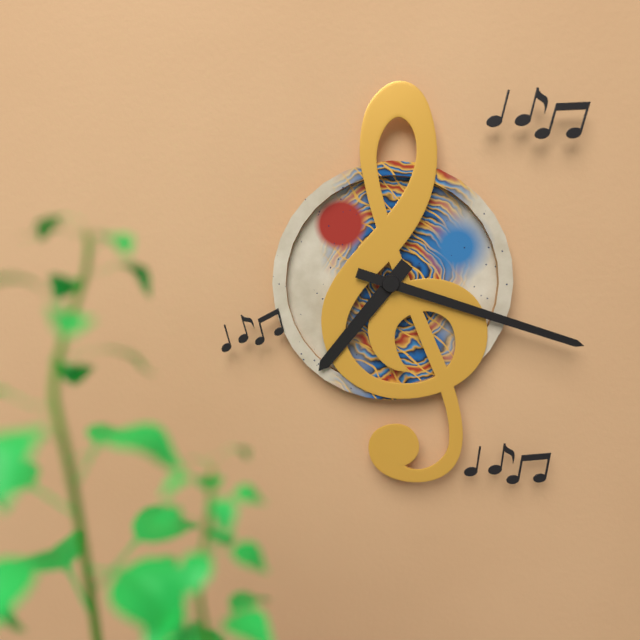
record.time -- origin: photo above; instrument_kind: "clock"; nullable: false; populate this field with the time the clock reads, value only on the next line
7:18
